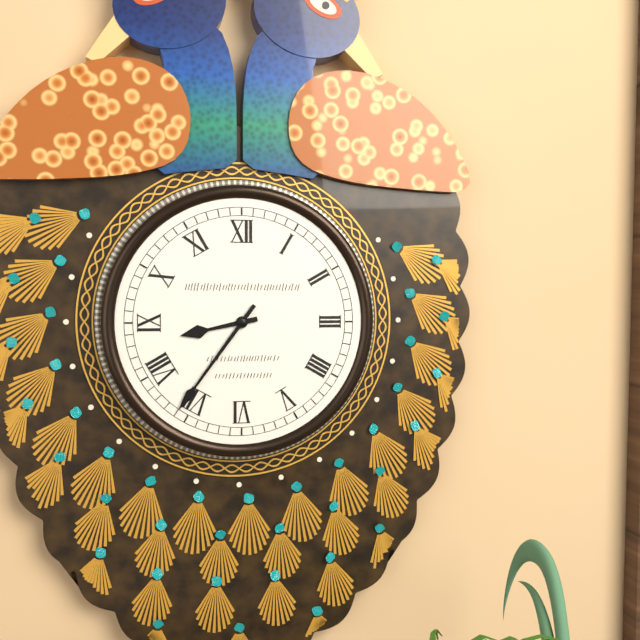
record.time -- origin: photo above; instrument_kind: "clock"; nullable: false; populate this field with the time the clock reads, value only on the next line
8:36
